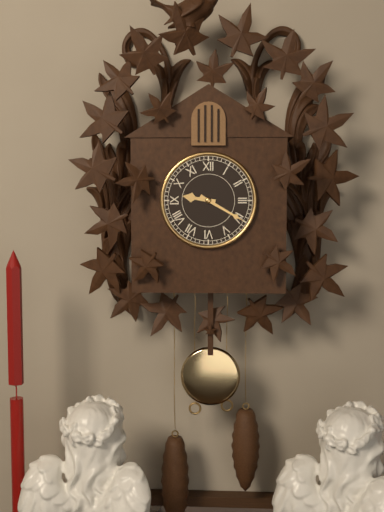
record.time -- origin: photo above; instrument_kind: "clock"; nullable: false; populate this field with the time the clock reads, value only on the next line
9:20
